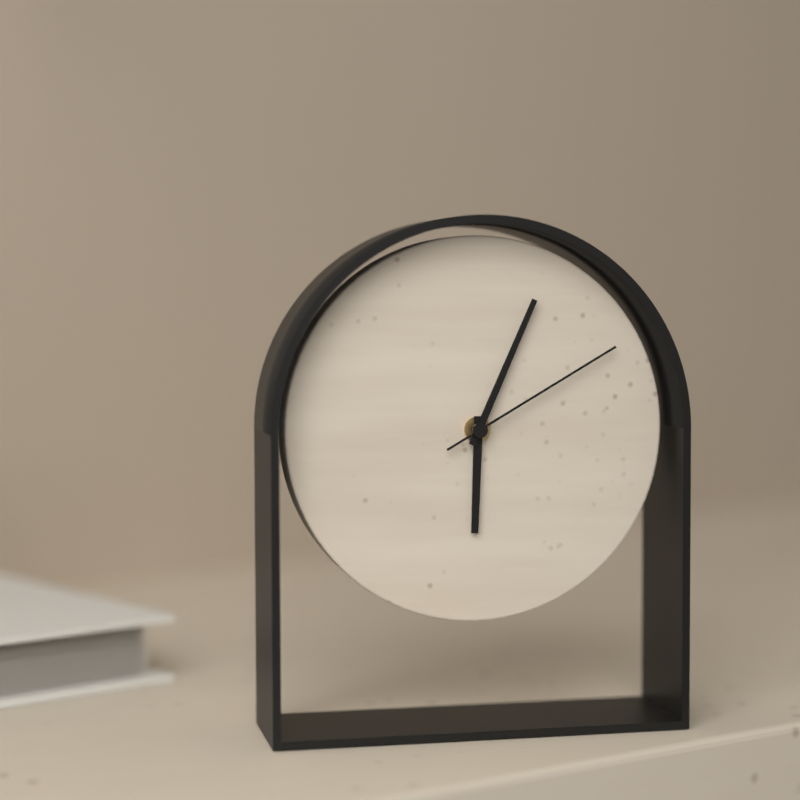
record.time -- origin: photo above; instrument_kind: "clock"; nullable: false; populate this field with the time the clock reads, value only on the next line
6:04:10
